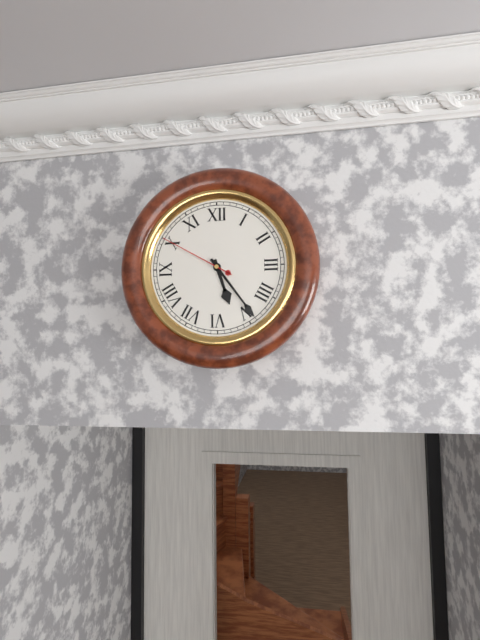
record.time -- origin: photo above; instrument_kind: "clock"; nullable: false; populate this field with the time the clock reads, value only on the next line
5:24:50
